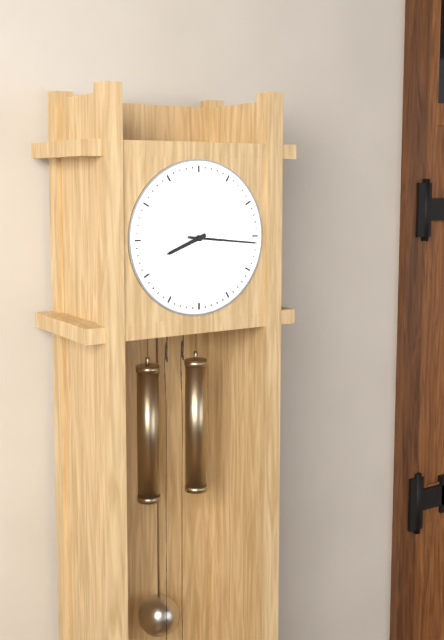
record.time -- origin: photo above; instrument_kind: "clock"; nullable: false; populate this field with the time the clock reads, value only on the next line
8:16
